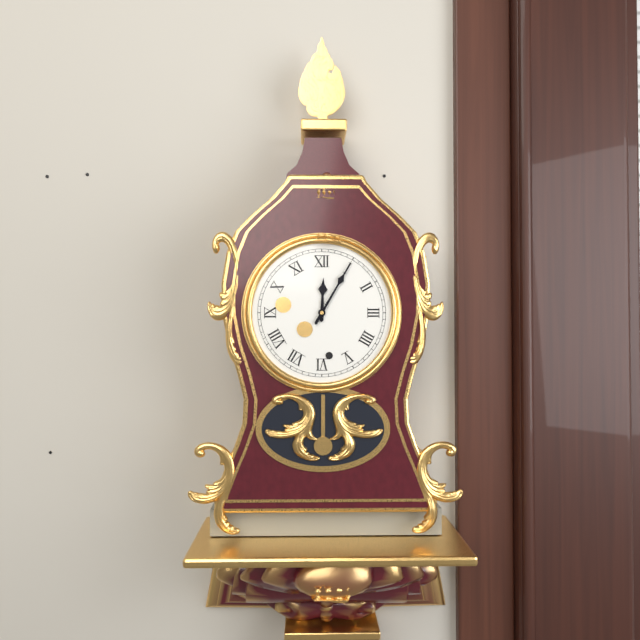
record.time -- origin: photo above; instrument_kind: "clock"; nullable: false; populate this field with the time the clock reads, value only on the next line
12:05
